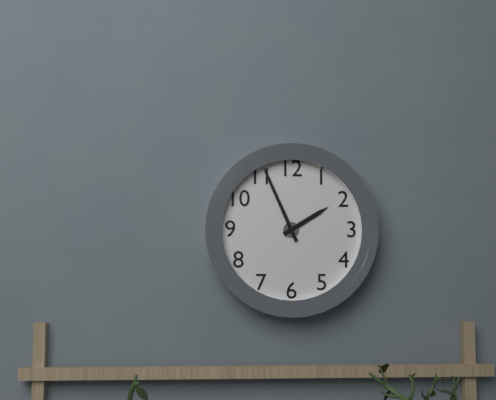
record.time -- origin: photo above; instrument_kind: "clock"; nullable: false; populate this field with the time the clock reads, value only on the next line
1:56
